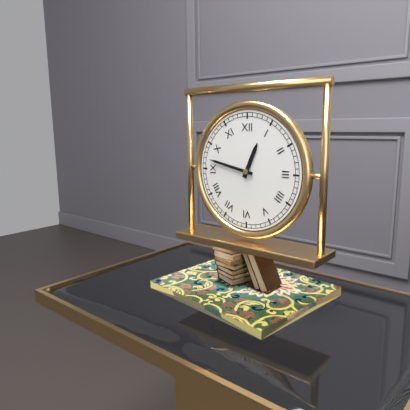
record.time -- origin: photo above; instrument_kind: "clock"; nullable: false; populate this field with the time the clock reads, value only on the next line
12:47
